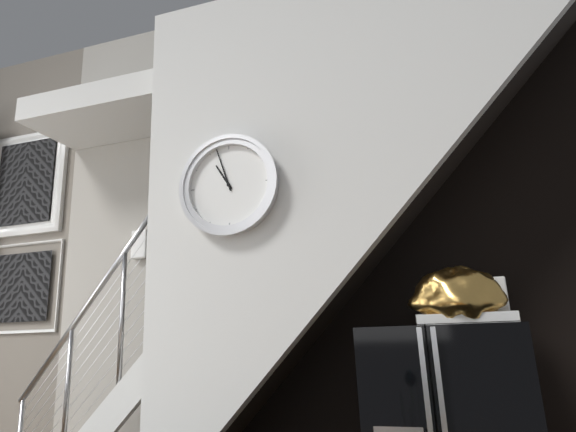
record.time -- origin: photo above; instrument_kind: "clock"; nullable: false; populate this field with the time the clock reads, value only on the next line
10:57
